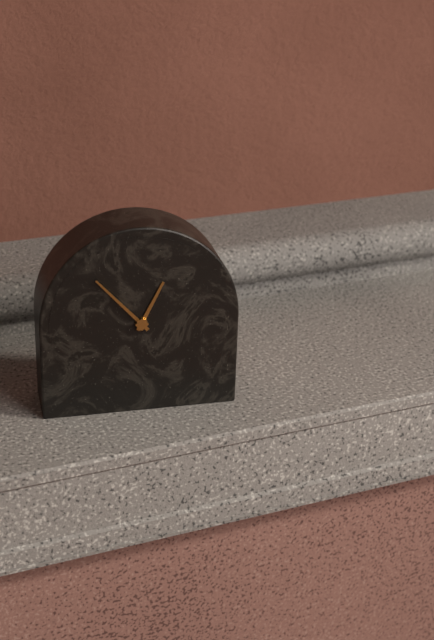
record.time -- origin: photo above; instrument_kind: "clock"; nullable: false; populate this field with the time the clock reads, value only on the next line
12:53
